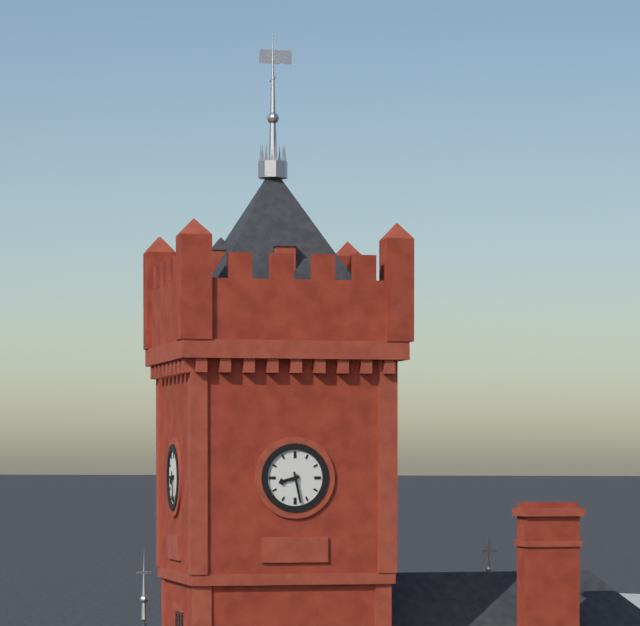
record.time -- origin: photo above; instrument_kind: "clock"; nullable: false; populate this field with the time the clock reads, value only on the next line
8:28
